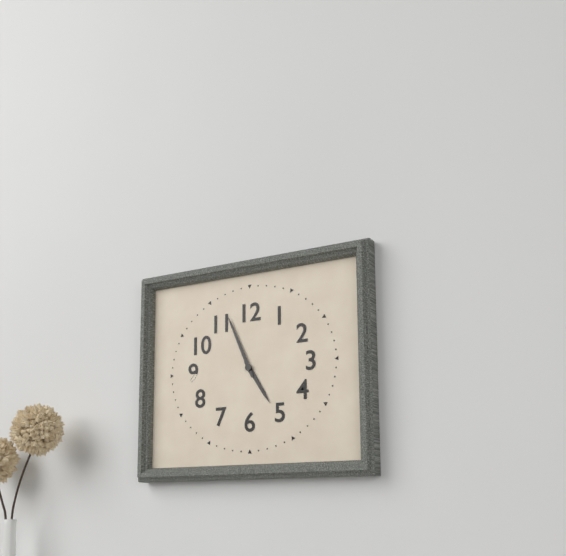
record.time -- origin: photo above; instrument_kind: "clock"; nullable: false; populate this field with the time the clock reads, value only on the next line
4:56
